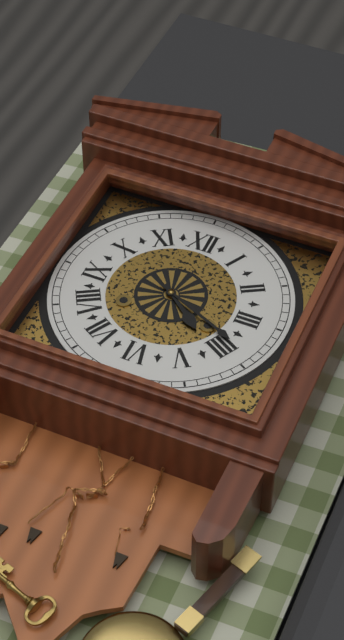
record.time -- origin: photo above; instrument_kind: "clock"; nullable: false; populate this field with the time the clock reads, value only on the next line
4:19
